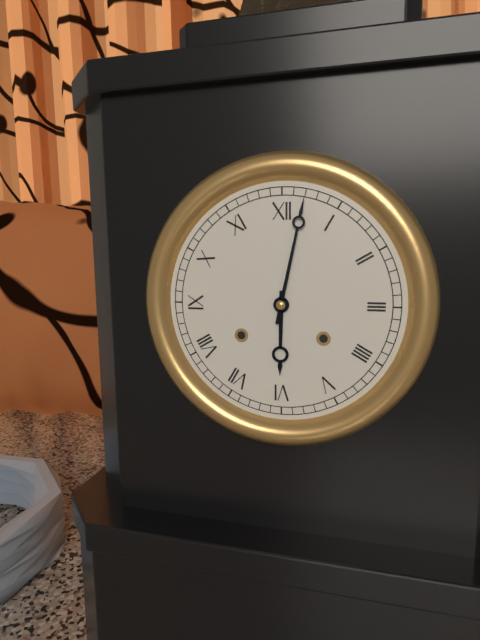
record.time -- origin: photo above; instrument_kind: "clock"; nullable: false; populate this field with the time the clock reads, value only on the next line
6:02
